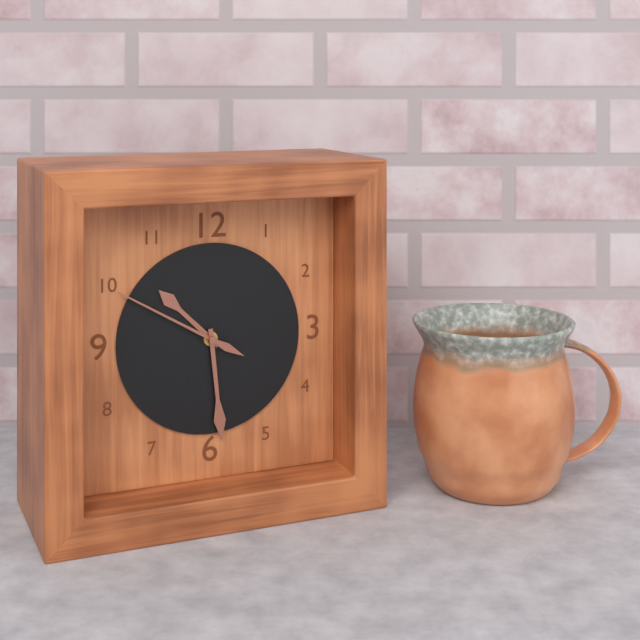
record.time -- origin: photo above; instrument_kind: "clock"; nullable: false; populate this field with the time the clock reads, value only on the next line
10:29:50
